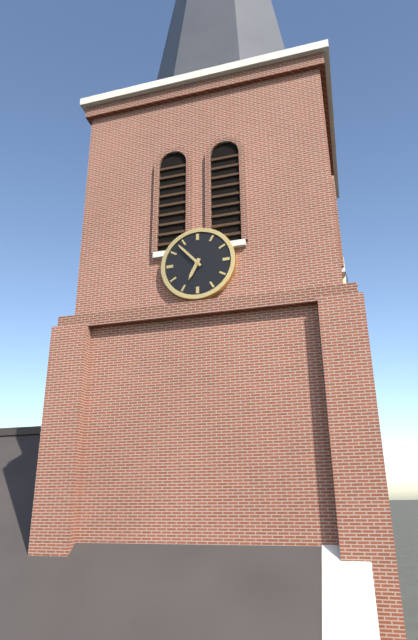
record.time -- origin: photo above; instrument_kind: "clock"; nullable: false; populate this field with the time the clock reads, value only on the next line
6:53
